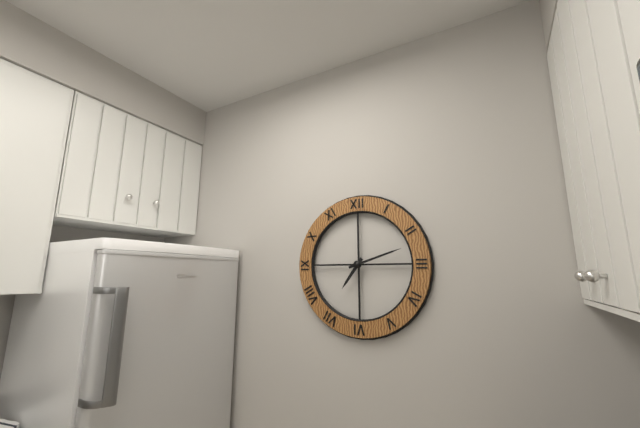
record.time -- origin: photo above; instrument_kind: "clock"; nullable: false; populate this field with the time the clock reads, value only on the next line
7:12
